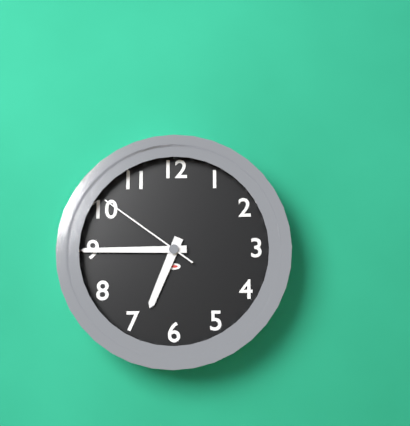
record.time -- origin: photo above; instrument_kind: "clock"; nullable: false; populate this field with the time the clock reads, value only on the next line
6:45:51
